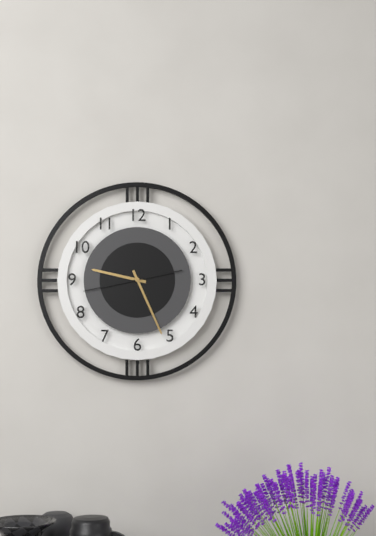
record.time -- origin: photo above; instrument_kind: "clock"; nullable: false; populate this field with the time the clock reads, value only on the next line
9:26:43
